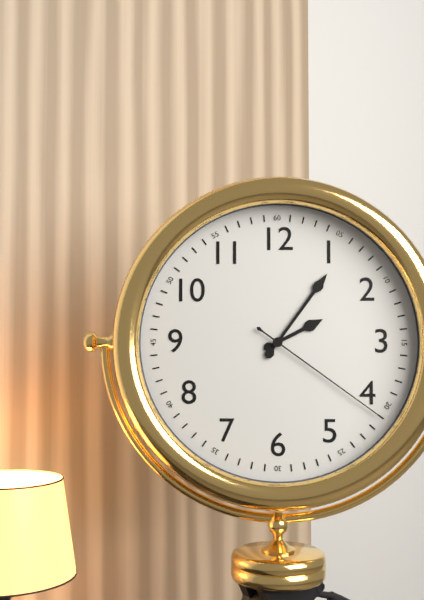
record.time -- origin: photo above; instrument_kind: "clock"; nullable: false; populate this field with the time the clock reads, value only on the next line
2:06:21
